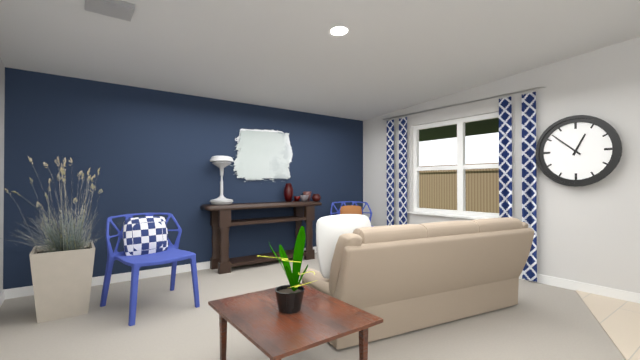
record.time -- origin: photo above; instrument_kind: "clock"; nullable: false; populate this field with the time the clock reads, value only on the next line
12:52
